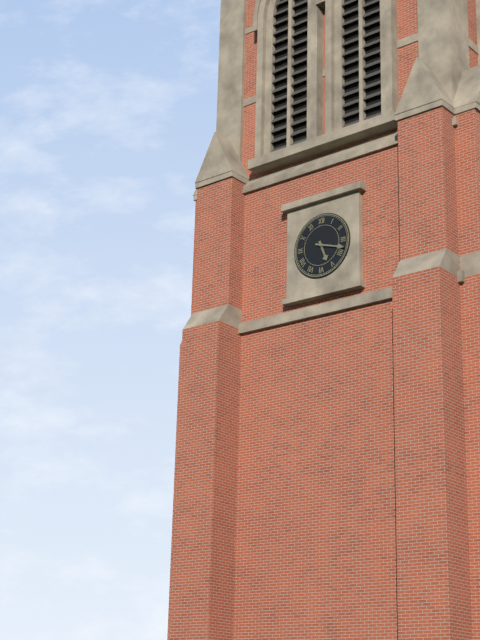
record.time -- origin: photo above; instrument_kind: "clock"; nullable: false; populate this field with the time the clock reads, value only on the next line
5:18
